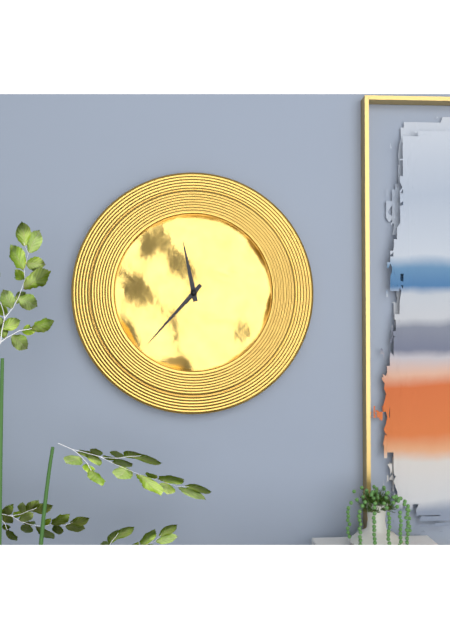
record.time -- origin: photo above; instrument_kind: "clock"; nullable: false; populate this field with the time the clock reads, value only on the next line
11:37
